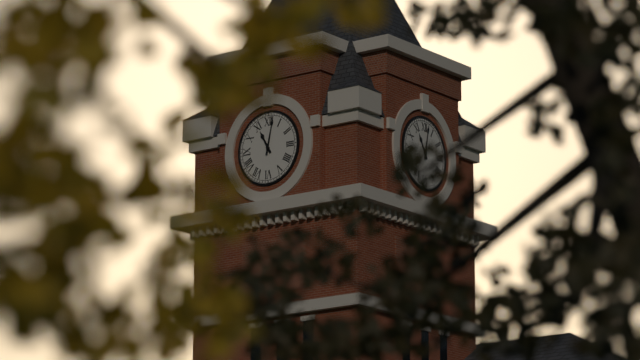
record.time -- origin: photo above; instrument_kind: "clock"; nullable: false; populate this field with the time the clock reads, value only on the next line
11:02
